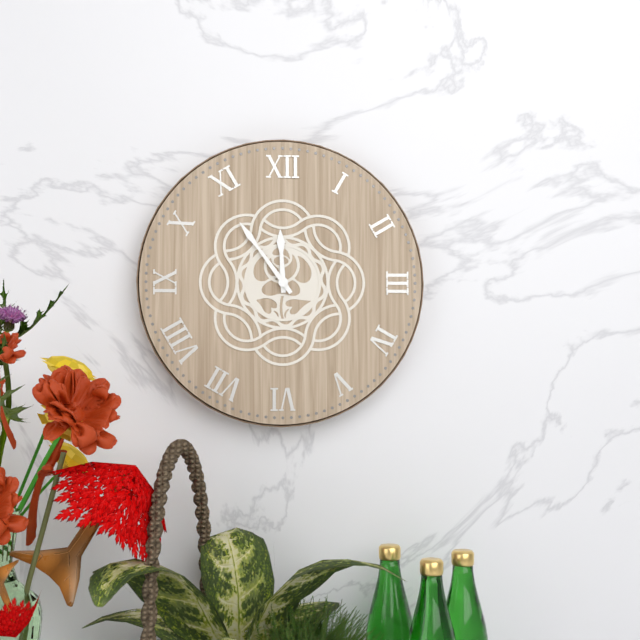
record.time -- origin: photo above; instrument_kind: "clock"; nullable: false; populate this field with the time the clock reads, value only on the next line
11:54
